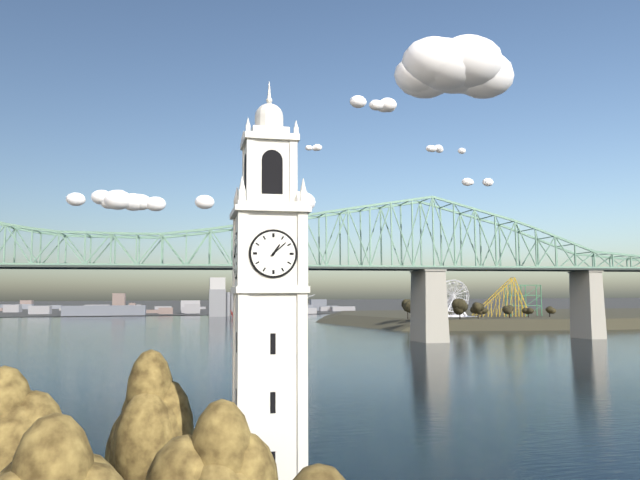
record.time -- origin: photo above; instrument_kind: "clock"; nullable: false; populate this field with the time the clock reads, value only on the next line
1:08
